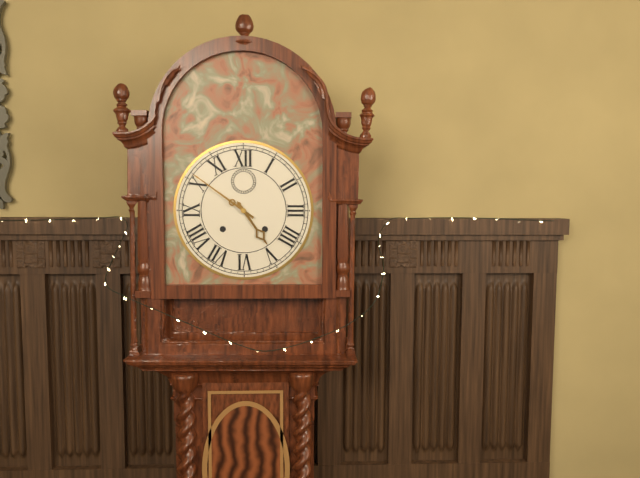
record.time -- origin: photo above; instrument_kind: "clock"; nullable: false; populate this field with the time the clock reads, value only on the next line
4:51
